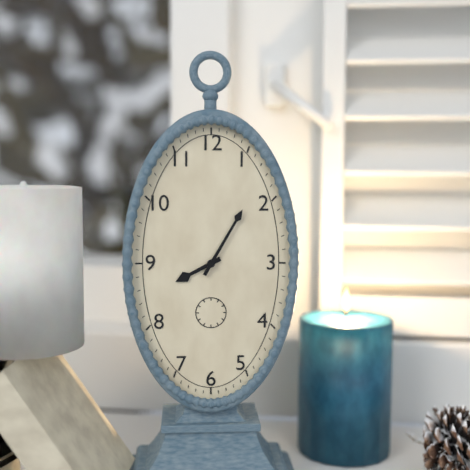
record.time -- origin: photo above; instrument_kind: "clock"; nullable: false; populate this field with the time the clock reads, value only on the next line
8:05
